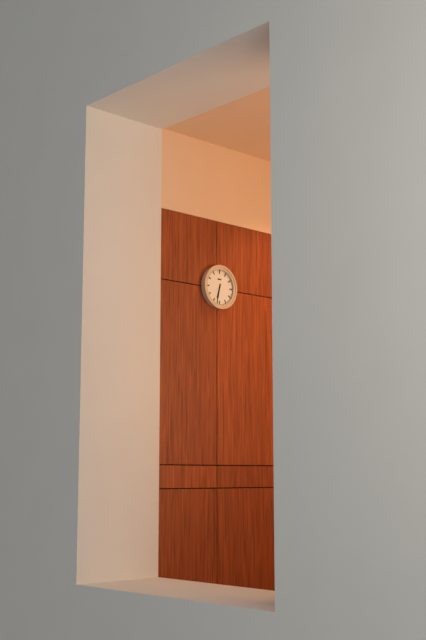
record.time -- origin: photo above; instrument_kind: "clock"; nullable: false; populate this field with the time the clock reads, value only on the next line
6:32
